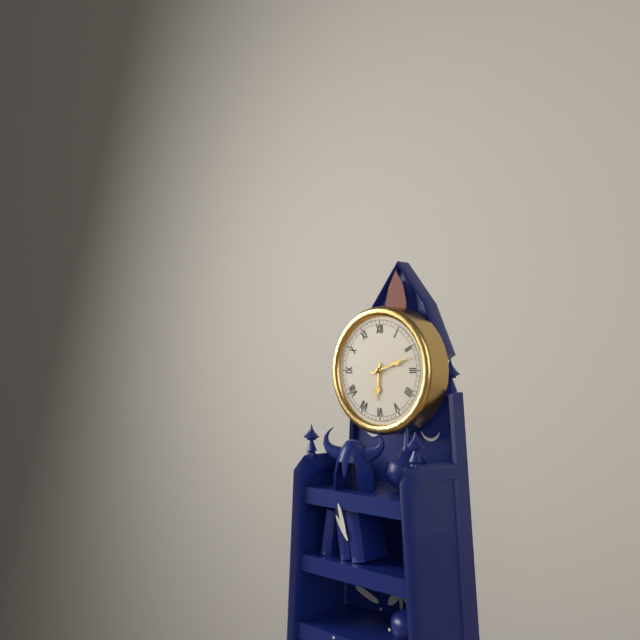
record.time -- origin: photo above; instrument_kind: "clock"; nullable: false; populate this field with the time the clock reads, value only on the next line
6:12
